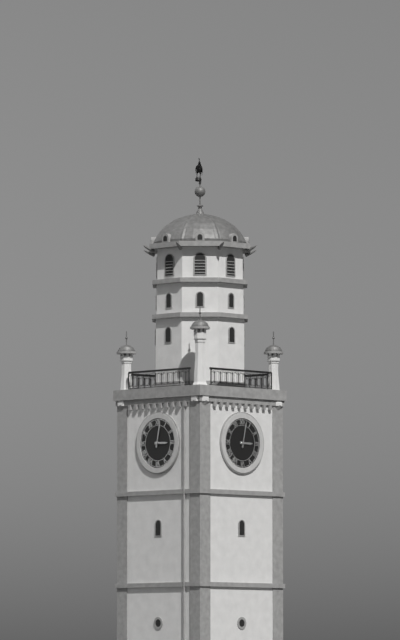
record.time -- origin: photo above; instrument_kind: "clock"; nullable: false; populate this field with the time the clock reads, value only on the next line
3:02
